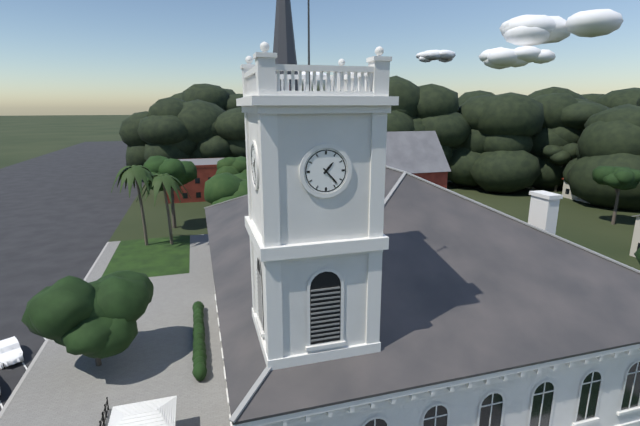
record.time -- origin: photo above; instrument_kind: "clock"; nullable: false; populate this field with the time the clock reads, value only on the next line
1:23
